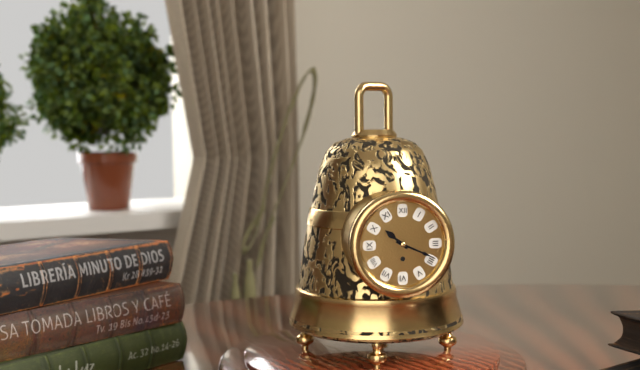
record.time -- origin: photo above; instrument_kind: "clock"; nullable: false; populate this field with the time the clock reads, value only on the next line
10:19
